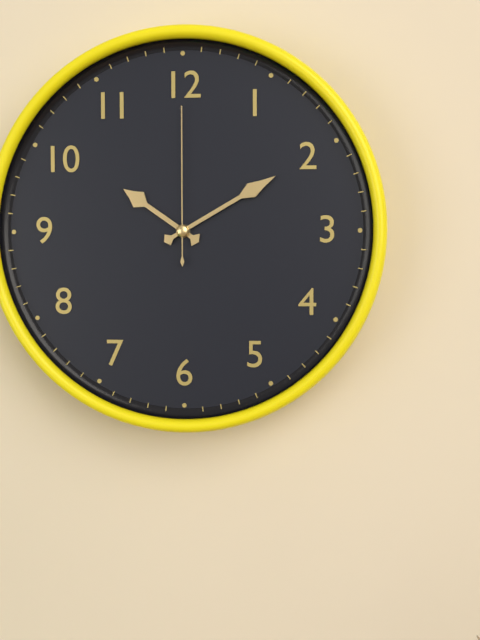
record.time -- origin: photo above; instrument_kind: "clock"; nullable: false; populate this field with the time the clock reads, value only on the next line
10:10:00
